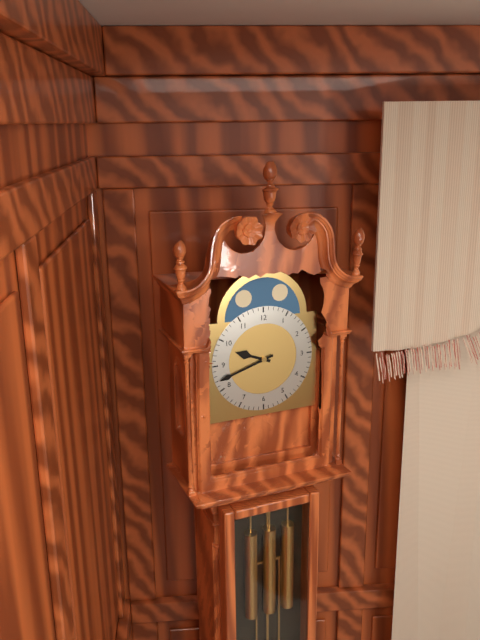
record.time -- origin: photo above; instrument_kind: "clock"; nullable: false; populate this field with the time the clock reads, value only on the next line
9:42
